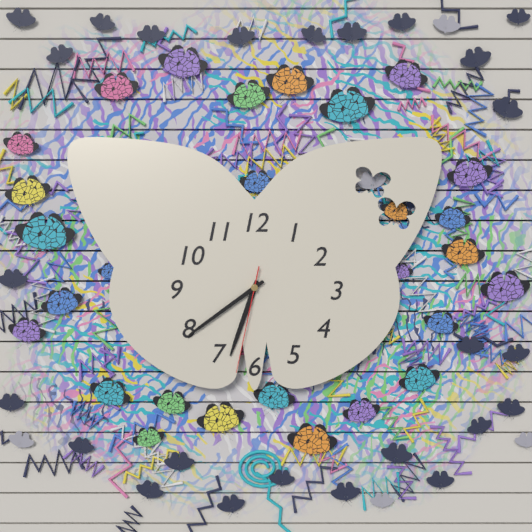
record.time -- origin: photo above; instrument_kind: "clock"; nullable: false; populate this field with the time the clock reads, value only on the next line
6:39:32
